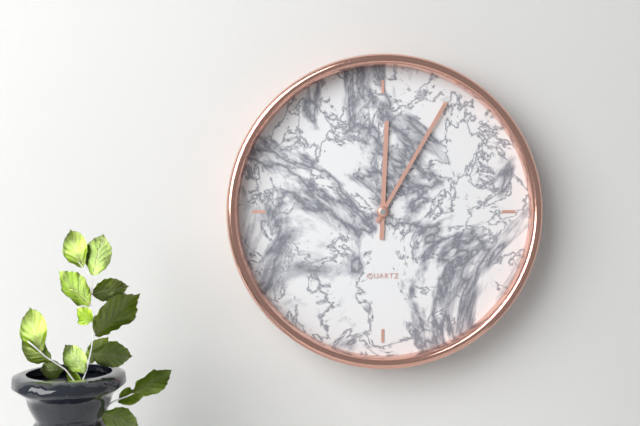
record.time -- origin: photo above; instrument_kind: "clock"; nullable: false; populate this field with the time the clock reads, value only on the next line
12:05
